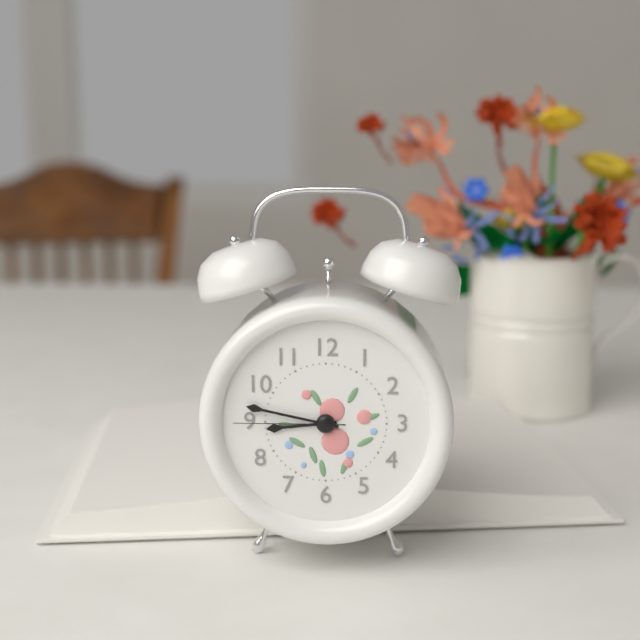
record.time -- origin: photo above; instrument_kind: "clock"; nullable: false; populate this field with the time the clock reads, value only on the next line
8:47:45
